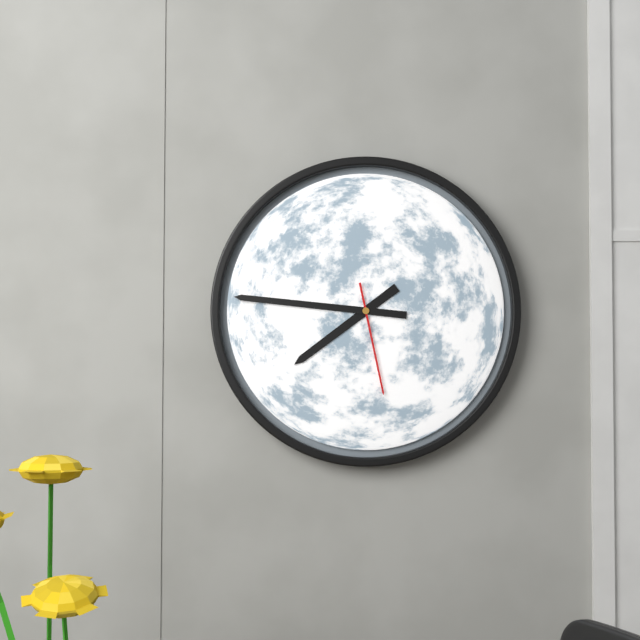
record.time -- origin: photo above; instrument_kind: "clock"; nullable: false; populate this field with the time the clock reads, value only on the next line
7:46:28
